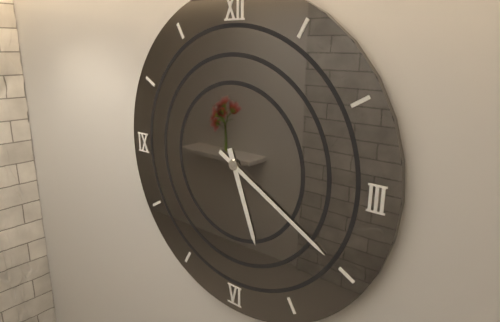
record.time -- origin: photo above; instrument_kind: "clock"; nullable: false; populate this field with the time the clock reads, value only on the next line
5:20
